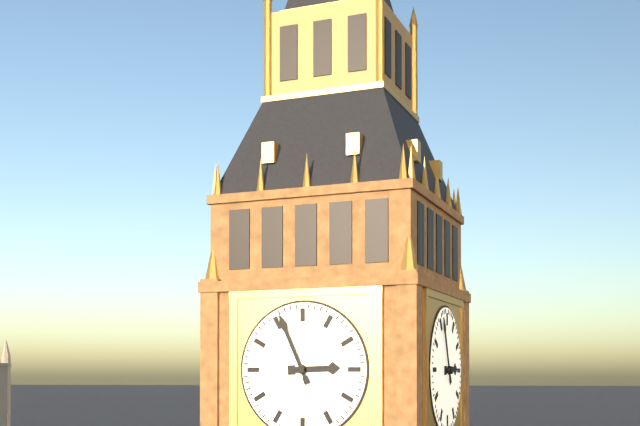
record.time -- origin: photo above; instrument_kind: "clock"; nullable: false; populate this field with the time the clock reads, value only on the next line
2:56
